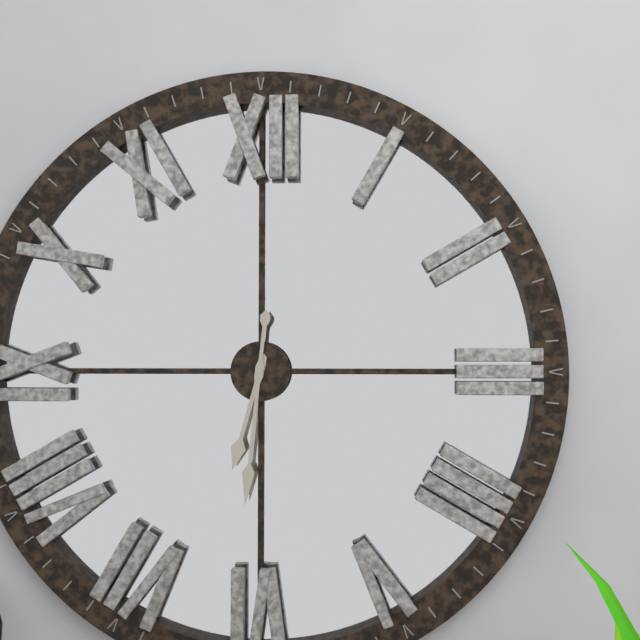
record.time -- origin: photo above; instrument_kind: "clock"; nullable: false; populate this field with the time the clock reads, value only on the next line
6:31
